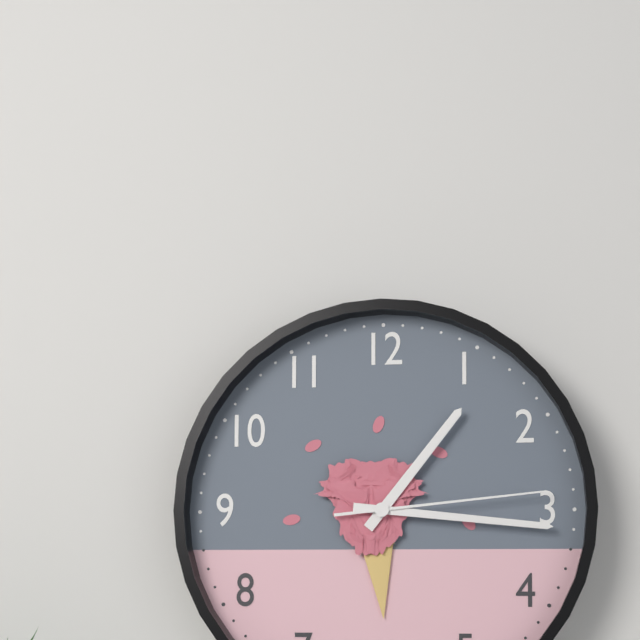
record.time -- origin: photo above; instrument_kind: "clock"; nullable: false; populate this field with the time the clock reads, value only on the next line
1:16:14
